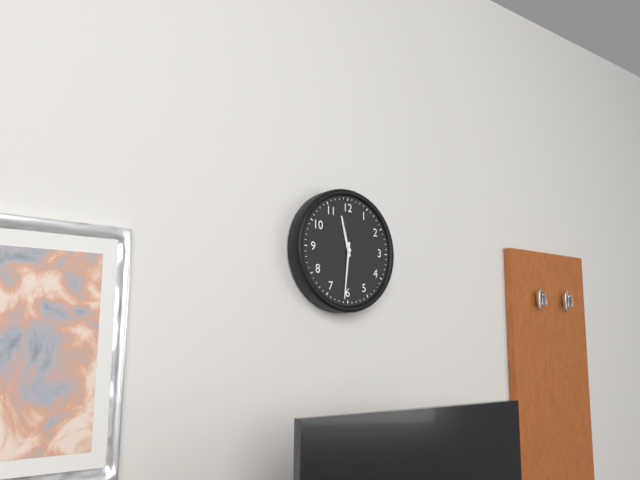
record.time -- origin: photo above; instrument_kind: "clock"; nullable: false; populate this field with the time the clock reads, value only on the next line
11:31
